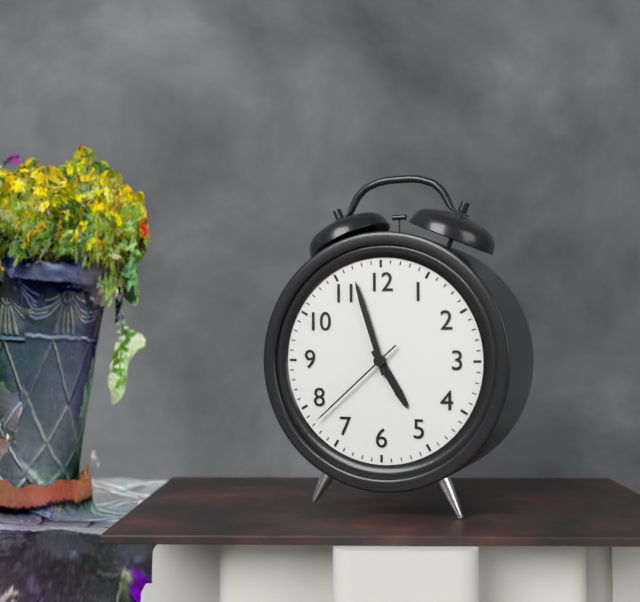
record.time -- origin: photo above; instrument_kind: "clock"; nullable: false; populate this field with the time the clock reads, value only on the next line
4:57:38
